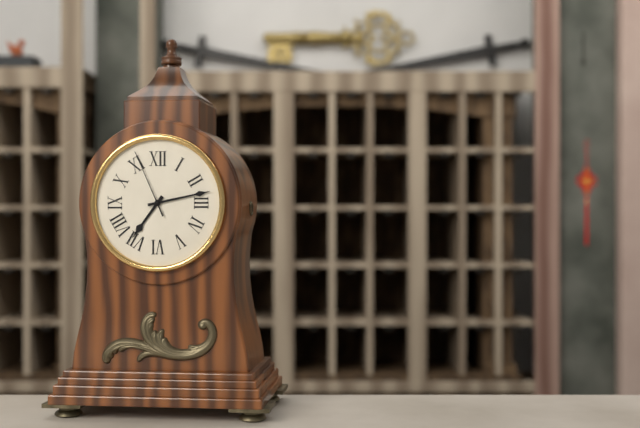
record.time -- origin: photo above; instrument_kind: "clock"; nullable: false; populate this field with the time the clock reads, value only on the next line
7:13:56
